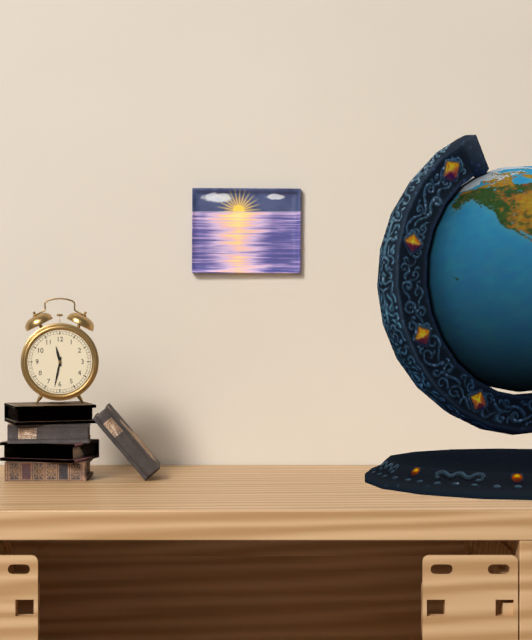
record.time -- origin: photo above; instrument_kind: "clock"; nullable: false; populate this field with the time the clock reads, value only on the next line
11:32
